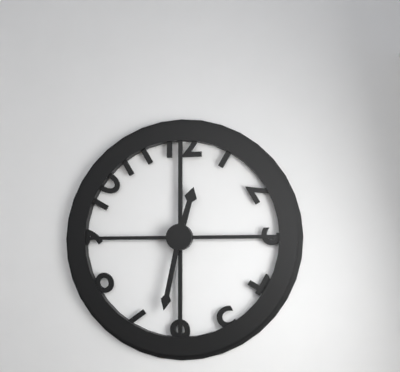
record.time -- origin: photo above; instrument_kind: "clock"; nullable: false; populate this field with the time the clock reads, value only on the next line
12:32
